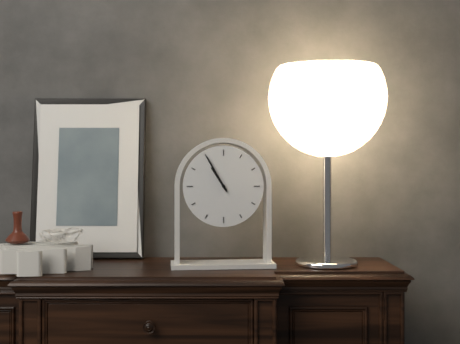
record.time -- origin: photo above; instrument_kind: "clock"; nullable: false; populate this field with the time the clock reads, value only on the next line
10:55
